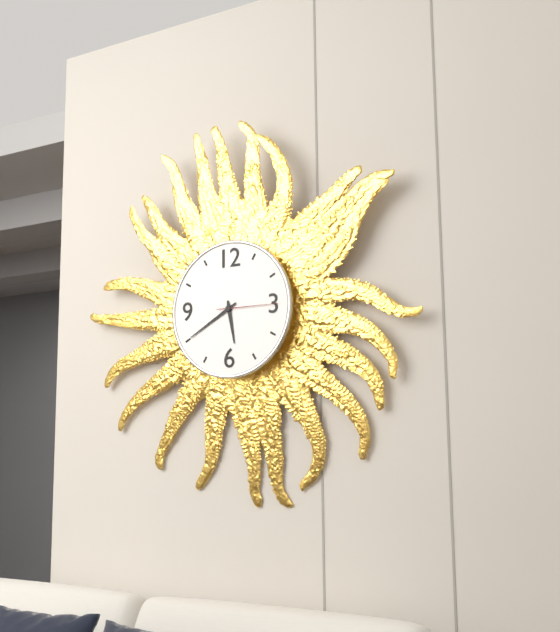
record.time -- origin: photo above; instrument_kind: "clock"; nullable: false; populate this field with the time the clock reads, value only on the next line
5:40:15
